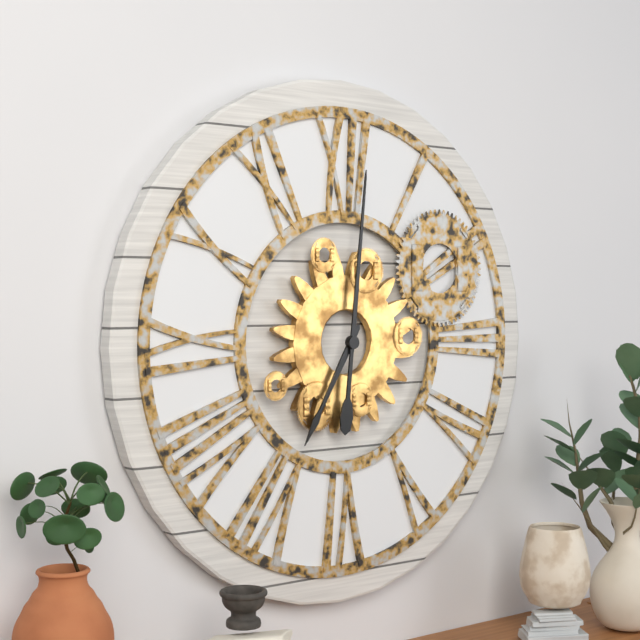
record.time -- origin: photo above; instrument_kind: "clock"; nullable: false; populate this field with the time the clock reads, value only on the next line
7:01
